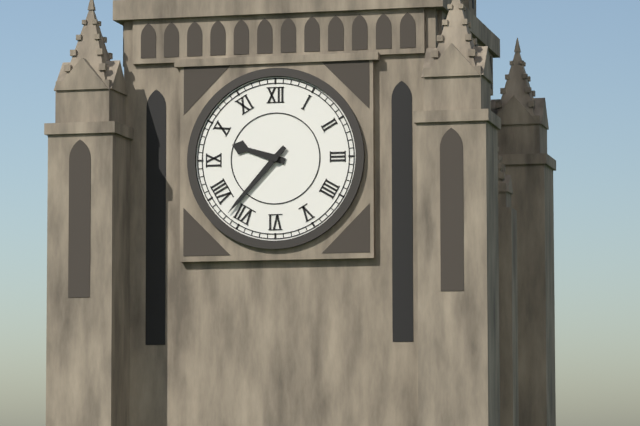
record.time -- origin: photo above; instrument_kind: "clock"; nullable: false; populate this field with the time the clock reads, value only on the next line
9:37
